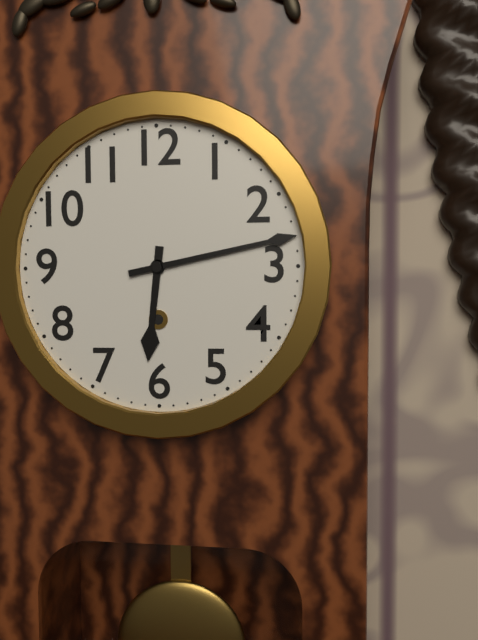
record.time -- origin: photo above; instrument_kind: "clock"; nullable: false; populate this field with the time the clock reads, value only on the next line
6:13
